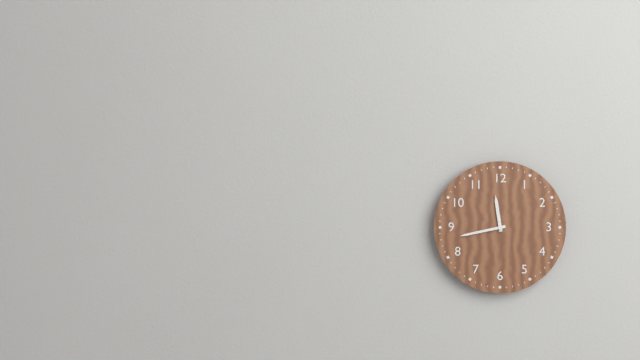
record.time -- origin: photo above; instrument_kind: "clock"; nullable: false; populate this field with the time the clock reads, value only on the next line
11:43
